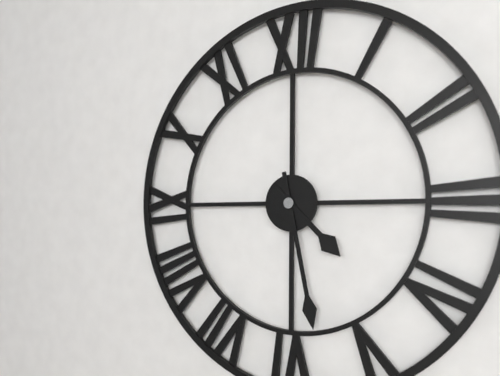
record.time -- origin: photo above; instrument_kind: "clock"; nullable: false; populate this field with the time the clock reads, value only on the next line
4:28
